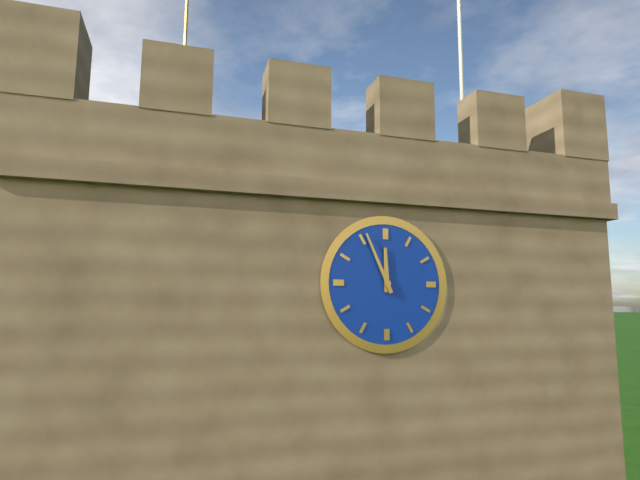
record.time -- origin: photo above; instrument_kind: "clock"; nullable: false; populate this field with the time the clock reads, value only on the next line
11:56
